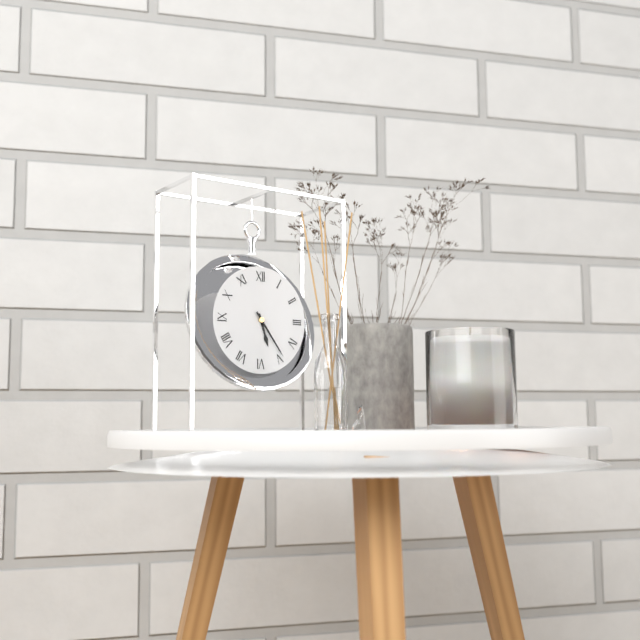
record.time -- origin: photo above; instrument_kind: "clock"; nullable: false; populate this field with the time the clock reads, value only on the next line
5:24
